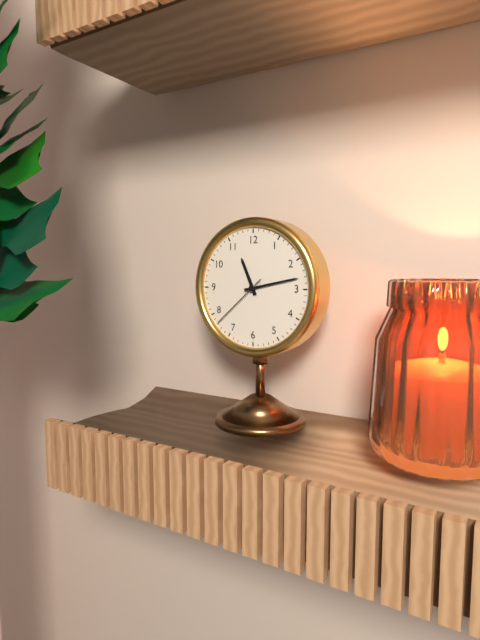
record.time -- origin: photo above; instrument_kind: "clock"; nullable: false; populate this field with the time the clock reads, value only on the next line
11:13:38
